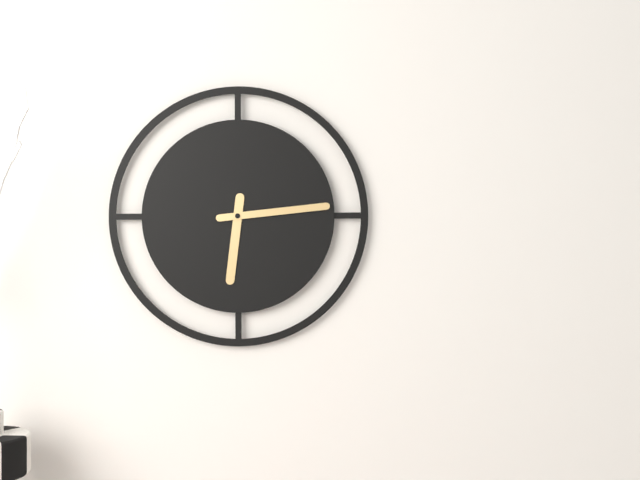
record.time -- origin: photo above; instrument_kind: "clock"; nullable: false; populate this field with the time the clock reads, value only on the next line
6:14
